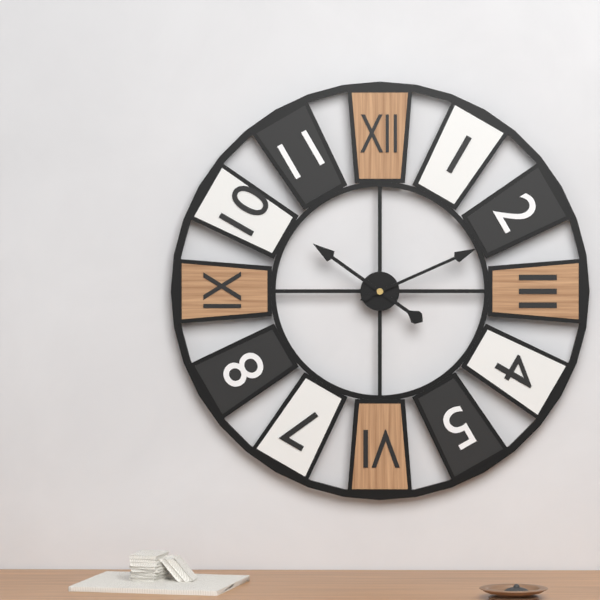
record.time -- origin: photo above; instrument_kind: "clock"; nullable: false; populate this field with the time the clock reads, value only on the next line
10:11
